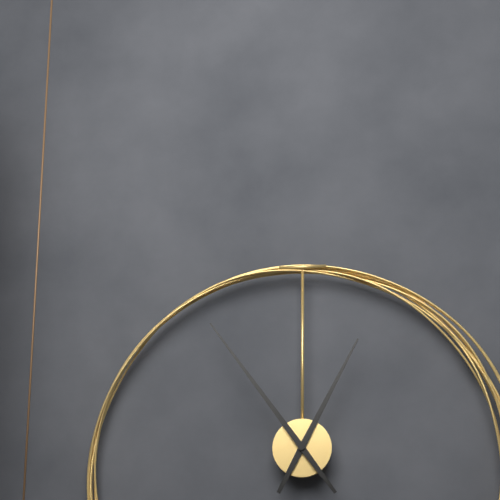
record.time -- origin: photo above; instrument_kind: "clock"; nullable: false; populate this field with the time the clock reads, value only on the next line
12:54
